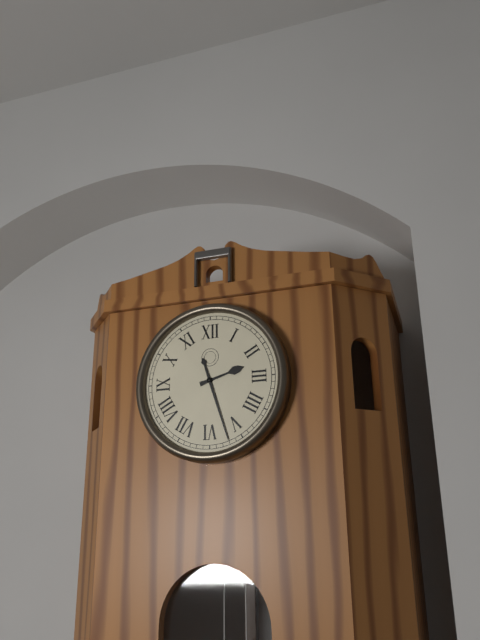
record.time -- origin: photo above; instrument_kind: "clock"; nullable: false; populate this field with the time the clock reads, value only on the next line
2:27
